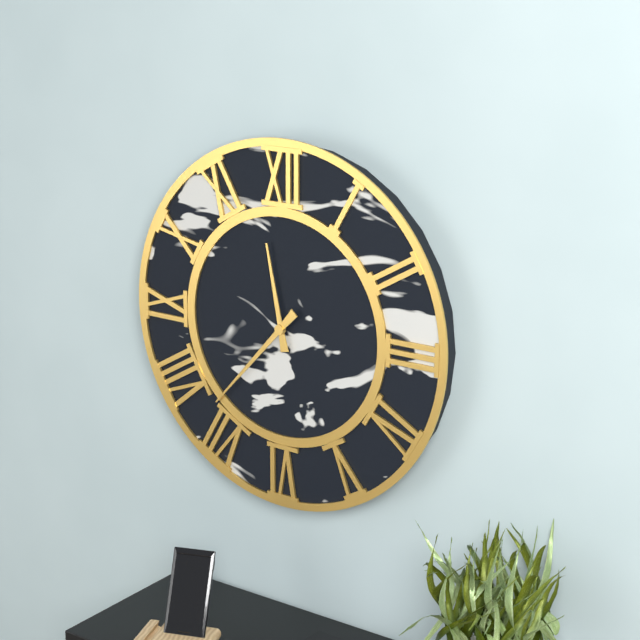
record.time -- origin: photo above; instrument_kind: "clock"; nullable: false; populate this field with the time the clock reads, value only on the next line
11:37
